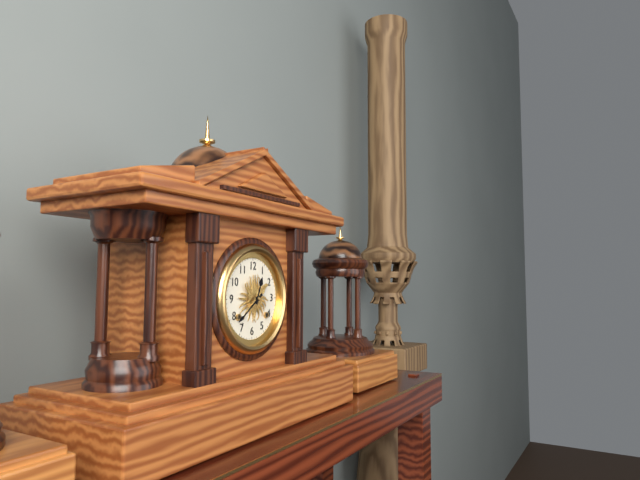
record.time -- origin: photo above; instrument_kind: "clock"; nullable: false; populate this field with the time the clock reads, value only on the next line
12:39
